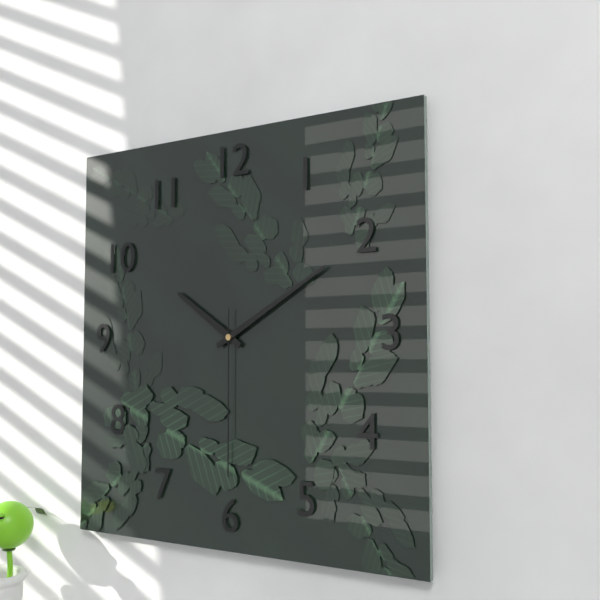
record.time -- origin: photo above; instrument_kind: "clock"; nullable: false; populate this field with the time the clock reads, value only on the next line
10:10:30
